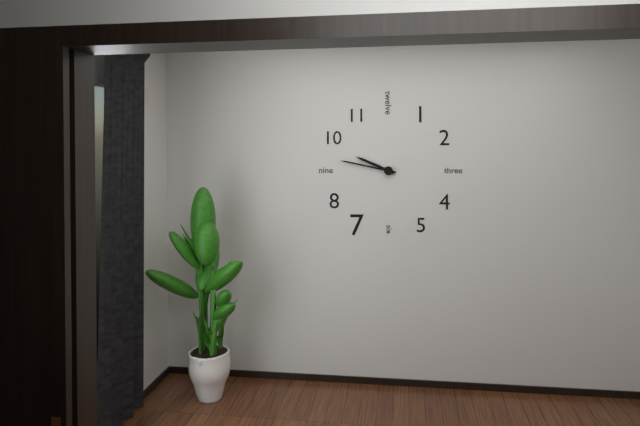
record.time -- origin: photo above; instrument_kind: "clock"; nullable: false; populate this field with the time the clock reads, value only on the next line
9:47
